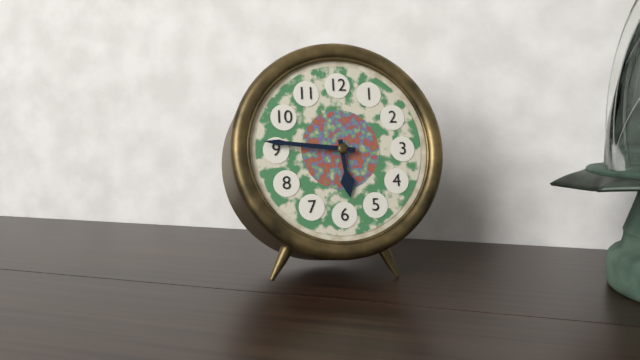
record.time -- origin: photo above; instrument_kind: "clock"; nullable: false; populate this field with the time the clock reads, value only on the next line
5:46
